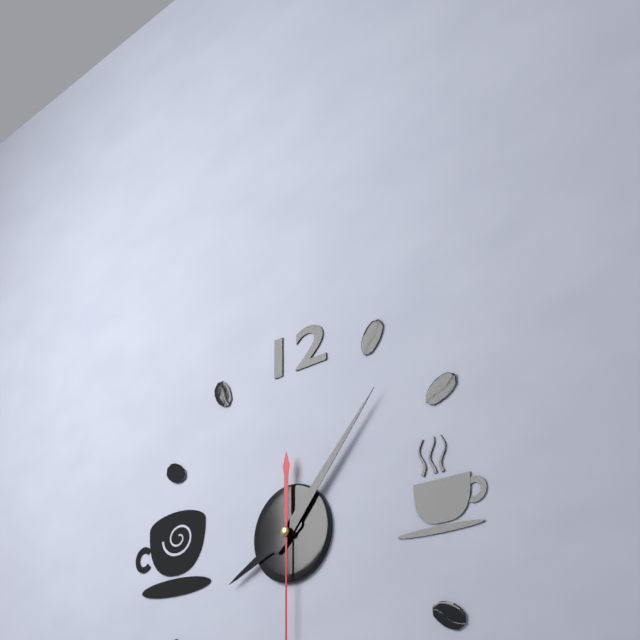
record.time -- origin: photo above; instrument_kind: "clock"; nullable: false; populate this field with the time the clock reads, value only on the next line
8:07
